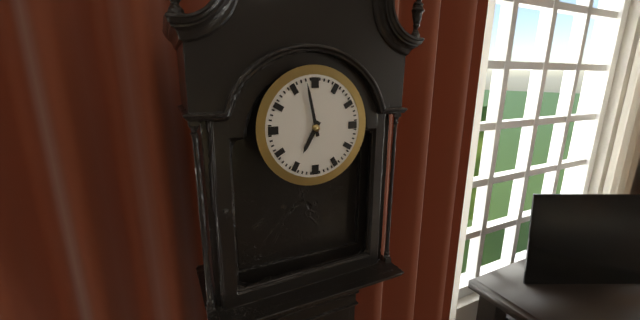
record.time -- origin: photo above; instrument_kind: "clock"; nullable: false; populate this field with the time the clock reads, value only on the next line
6:58
